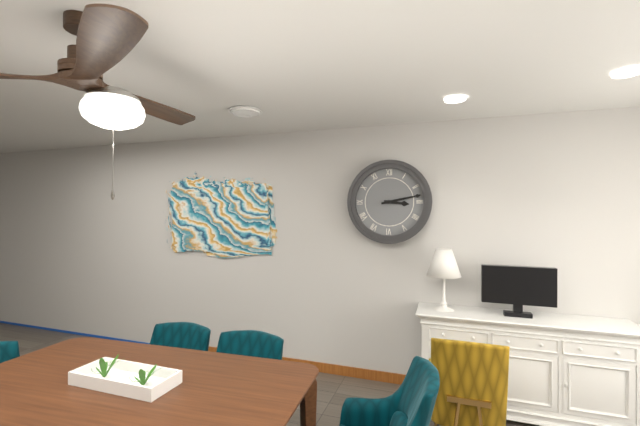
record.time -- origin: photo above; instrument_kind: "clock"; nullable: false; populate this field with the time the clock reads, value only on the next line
3:13
